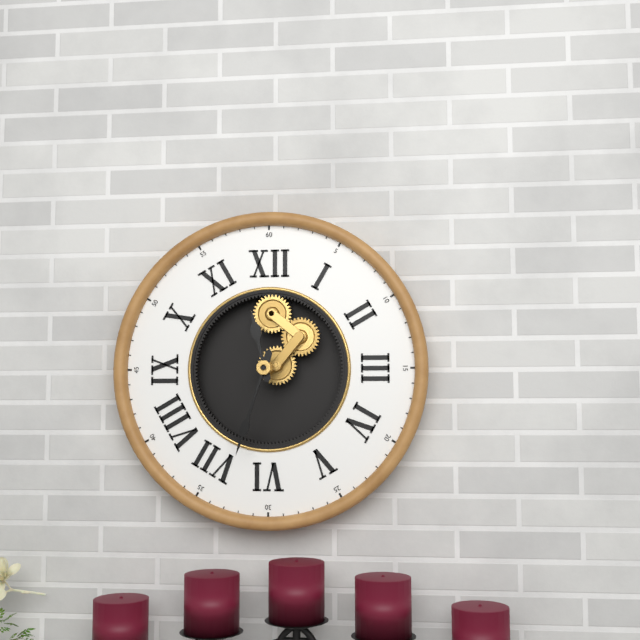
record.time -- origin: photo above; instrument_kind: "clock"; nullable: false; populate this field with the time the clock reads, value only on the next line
11:33
